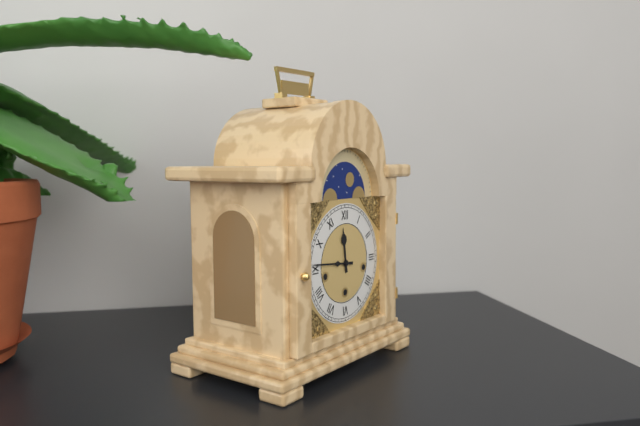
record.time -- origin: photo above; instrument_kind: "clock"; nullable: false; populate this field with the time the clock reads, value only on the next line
11:46
